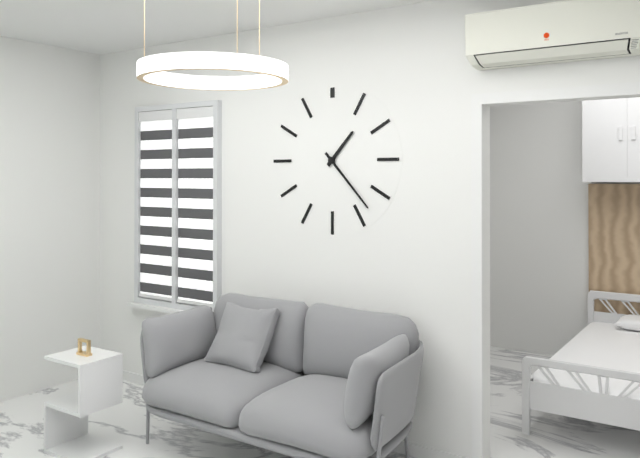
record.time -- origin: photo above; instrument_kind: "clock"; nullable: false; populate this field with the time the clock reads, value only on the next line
1:23
